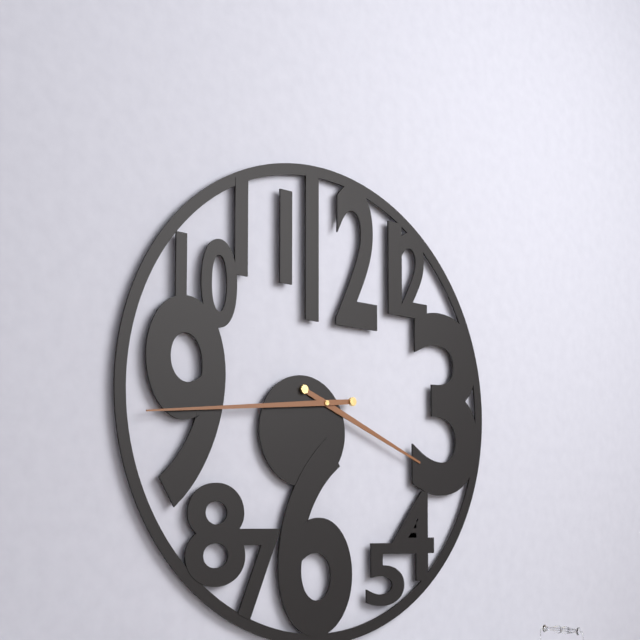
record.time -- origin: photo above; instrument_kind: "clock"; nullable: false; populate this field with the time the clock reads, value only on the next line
3:44
